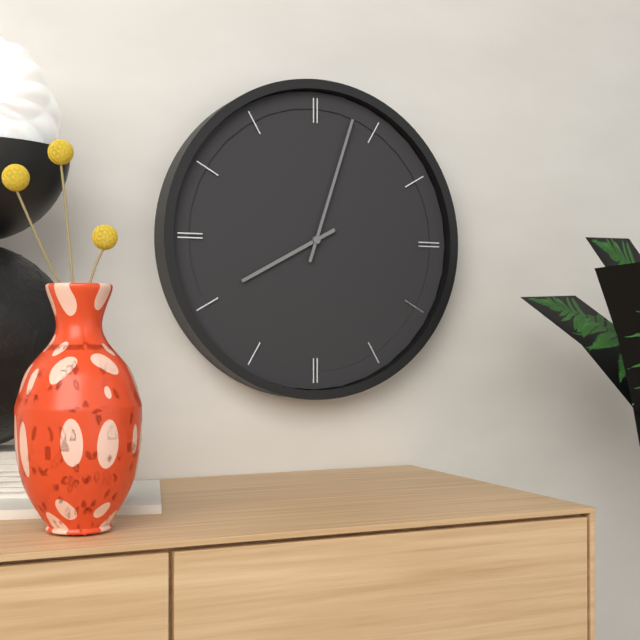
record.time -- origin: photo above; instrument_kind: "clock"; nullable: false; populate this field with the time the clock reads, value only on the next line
8:03
